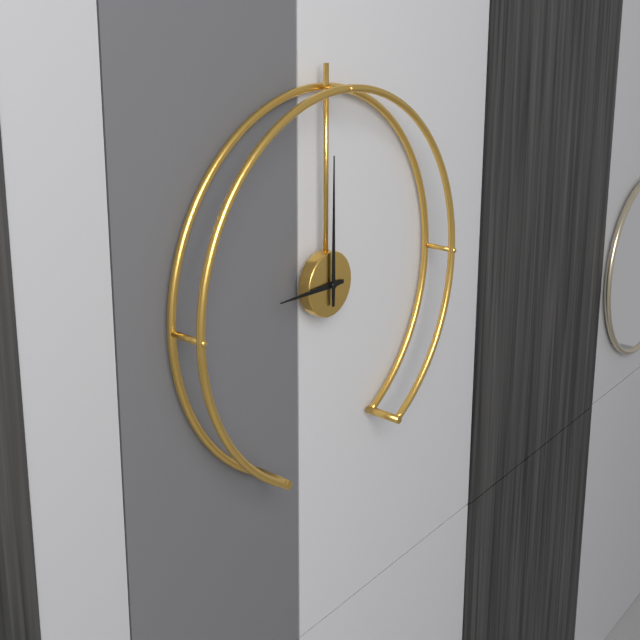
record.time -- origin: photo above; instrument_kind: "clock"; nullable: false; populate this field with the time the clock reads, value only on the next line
9:00
